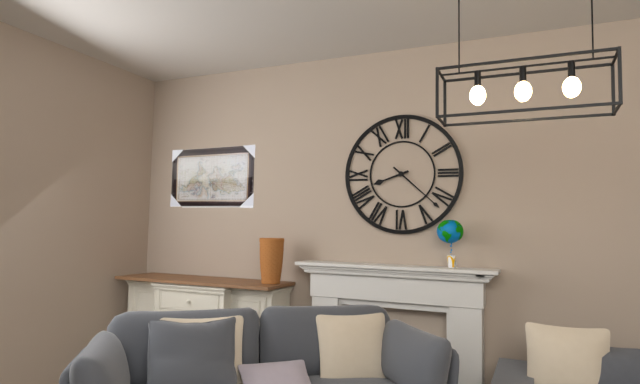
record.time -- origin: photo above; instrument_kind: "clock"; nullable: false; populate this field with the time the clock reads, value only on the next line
8:22
